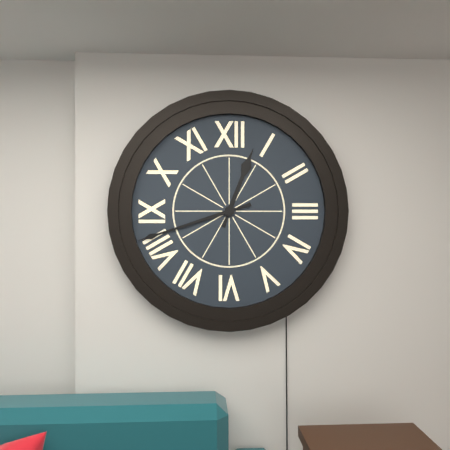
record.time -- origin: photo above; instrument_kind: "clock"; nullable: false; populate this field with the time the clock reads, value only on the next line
12:42
